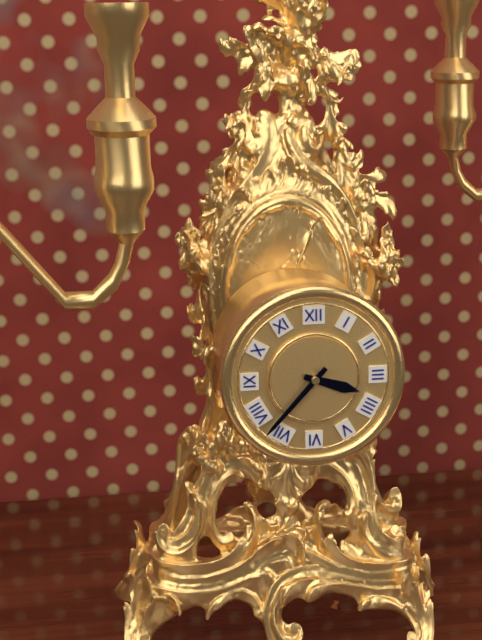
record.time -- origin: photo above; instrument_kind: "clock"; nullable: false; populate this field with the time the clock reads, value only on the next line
3:37
